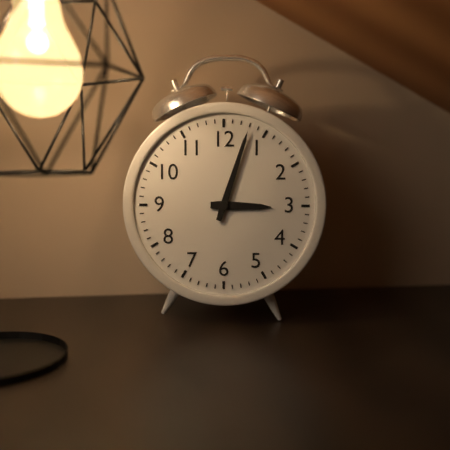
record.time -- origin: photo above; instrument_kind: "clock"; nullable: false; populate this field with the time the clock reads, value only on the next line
3:03
